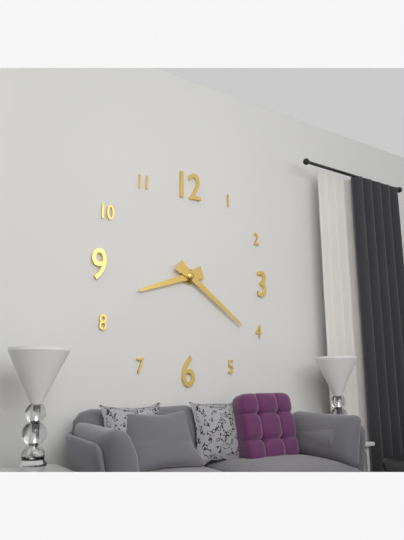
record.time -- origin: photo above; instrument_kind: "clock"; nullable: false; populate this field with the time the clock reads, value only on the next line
8:21
